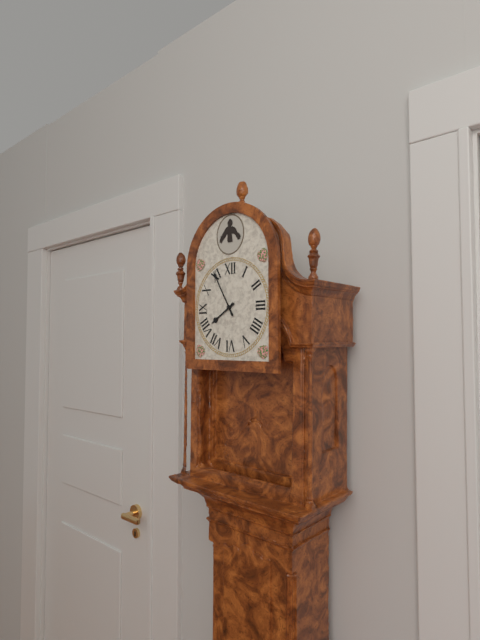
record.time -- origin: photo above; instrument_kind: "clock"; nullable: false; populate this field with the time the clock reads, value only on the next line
7:55
